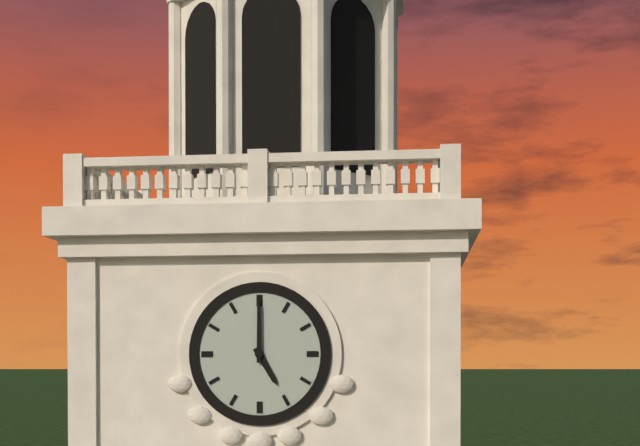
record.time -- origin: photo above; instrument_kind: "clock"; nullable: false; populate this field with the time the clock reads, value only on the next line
5:00
